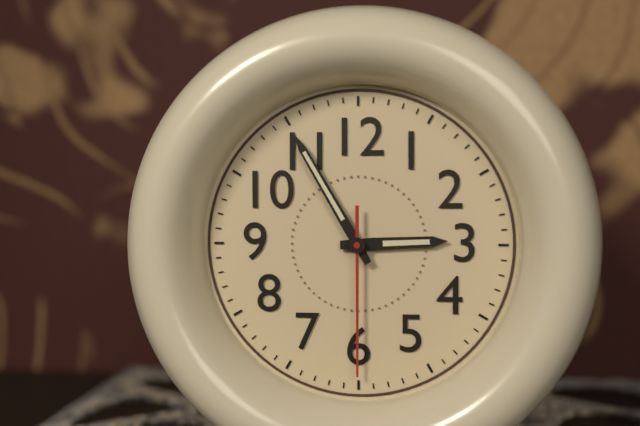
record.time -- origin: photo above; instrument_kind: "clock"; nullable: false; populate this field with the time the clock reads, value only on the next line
2:55:30
